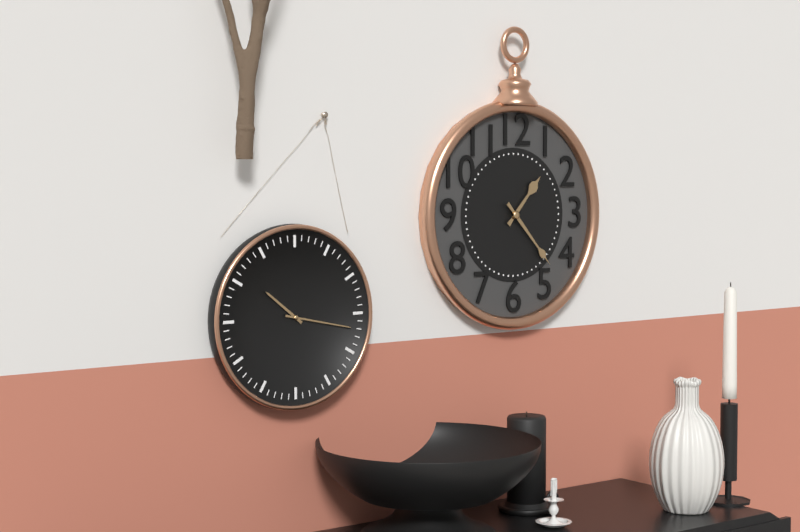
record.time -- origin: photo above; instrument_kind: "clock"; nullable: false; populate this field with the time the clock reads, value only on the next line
1:23
